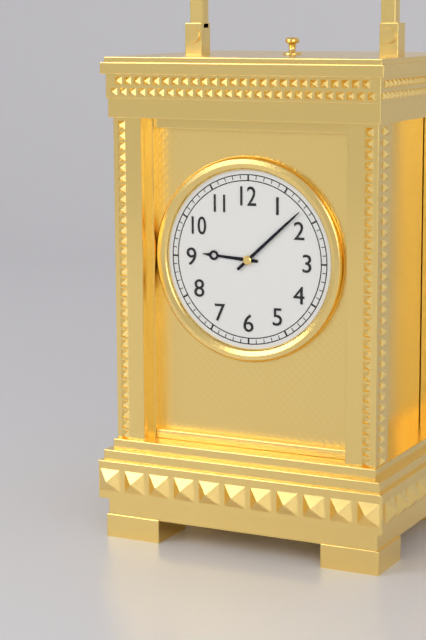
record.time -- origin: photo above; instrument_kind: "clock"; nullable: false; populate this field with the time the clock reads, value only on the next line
9:08
